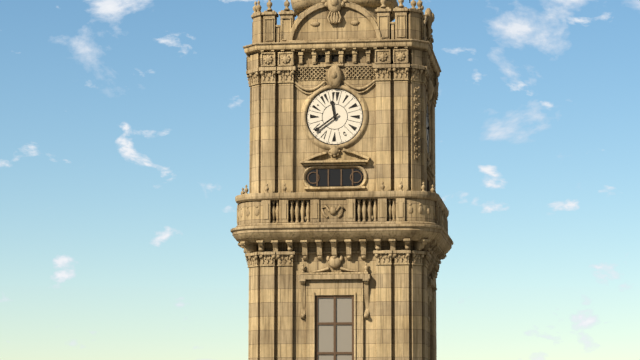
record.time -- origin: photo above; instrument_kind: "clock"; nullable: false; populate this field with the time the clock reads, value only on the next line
11:39
